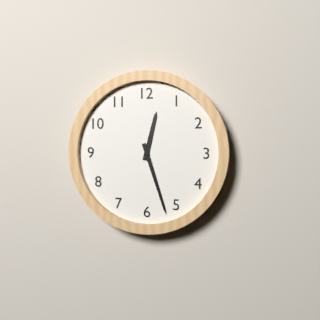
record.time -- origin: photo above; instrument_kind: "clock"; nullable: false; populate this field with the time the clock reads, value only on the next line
12:27
